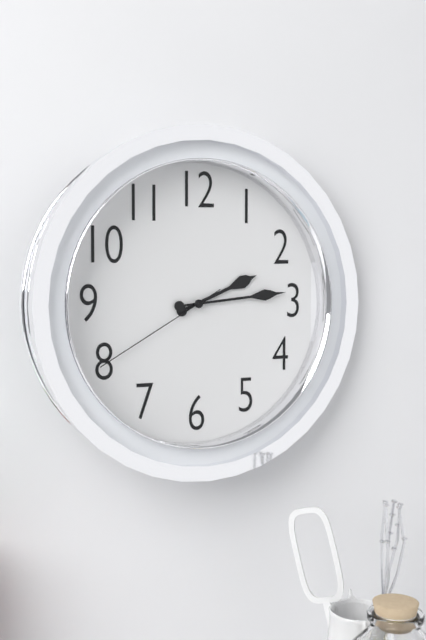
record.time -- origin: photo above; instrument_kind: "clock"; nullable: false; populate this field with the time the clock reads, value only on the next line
2:14:40
